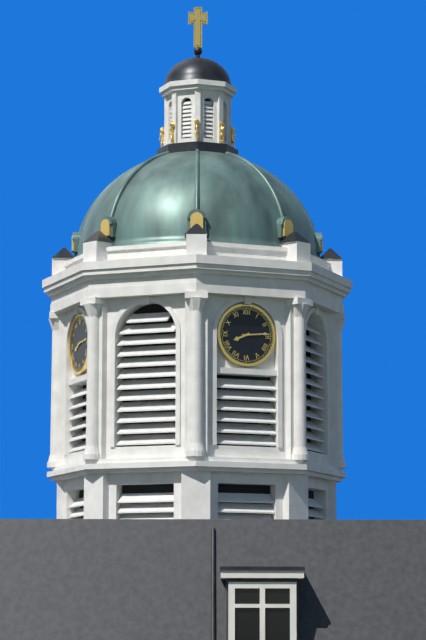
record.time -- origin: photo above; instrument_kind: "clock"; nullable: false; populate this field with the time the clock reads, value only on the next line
8:14
